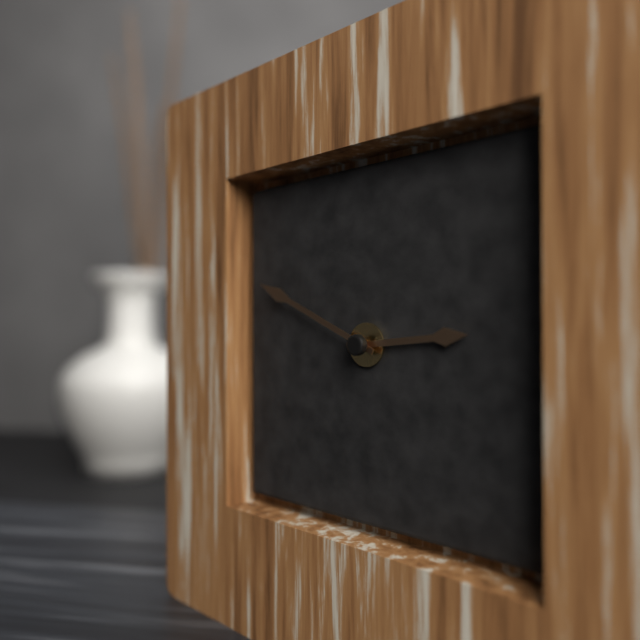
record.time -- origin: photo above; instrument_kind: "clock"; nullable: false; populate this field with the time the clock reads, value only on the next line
2:49
